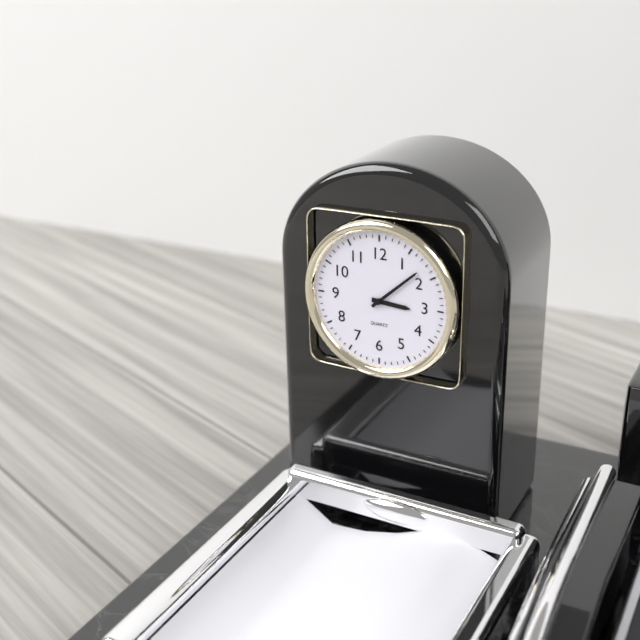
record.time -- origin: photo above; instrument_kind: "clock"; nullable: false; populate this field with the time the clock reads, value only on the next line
3:08
